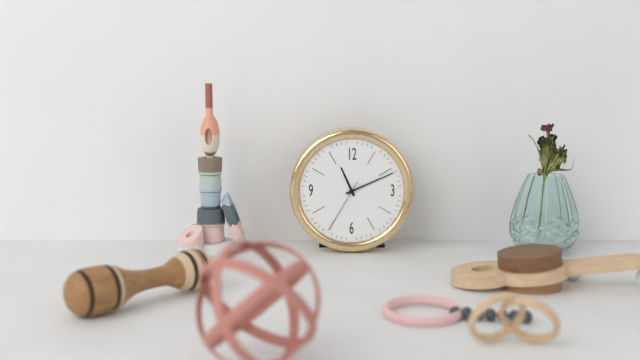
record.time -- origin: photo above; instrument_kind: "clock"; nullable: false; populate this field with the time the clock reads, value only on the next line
11:11:35
